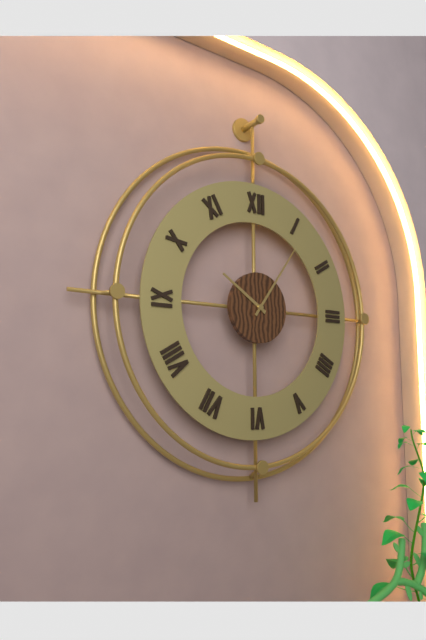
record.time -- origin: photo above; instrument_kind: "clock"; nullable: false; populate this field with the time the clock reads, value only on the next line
10:06
